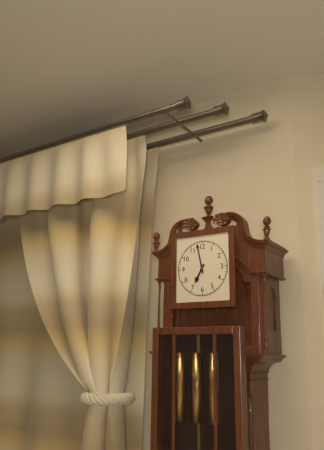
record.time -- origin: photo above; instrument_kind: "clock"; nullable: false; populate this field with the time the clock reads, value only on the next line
6:58
